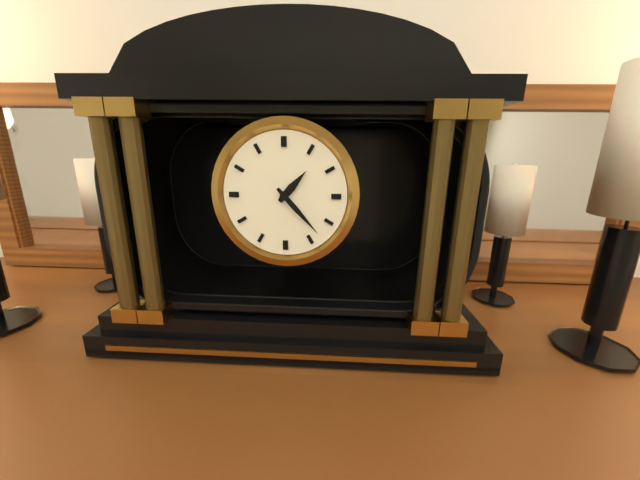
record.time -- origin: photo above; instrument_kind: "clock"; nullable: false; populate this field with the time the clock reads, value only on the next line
1:23
